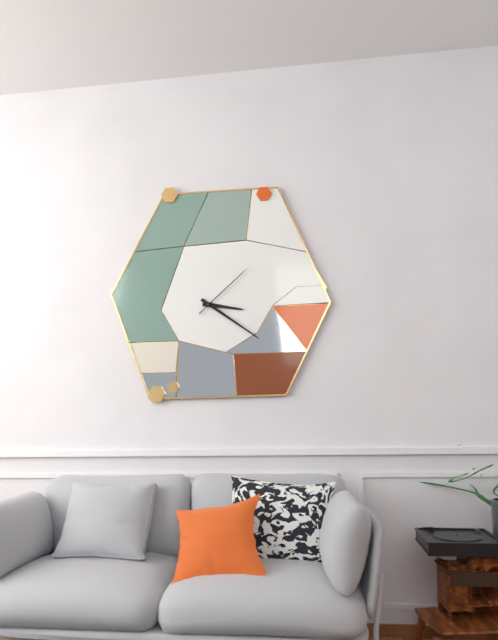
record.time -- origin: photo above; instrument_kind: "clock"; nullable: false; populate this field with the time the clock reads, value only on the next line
3:21:08
